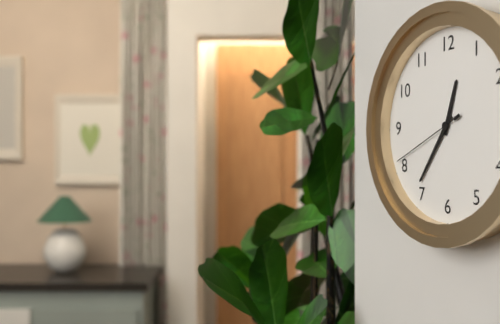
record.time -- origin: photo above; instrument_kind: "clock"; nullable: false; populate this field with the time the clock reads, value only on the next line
12:36:41
